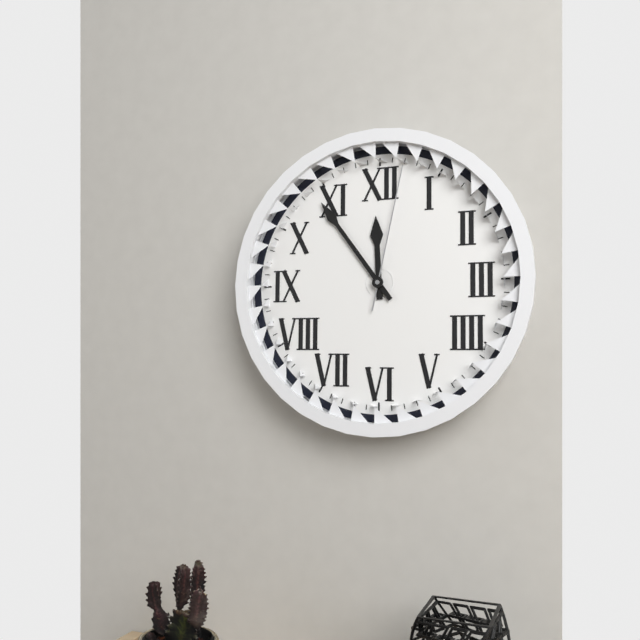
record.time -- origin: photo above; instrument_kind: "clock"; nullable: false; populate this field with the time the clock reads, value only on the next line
11:54:02
